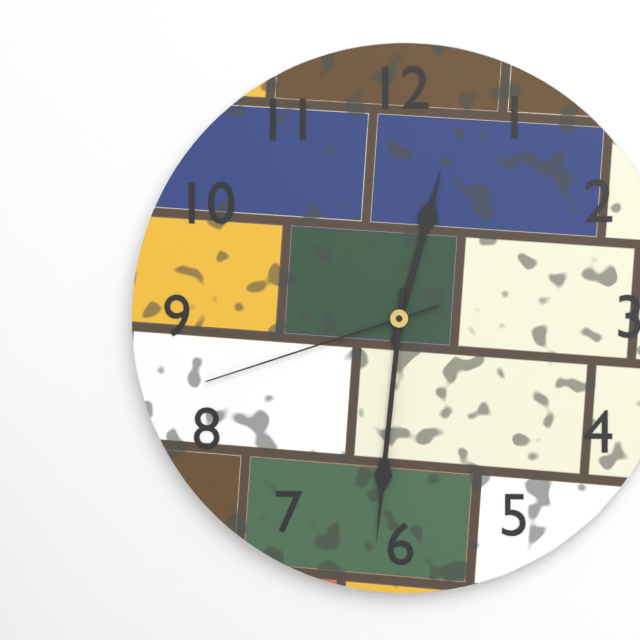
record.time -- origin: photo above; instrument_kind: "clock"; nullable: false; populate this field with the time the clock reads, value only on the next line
12:31:42
